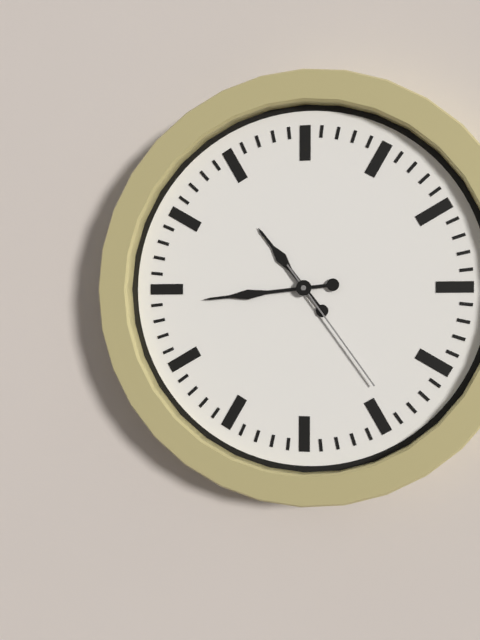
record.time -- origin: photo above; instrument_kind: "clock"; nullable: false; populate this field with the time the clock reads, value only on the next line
10:44:24
